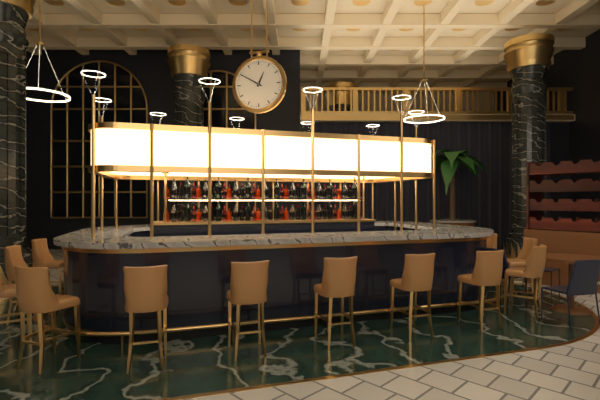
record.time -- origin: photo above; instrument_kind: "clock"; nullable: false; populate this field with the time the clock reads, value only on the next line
12:50
